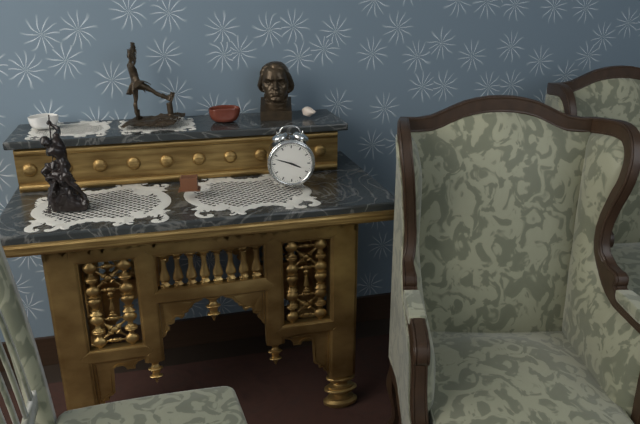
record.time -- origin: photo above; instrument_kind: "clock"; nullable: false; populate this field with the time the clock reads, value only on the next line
3:48
